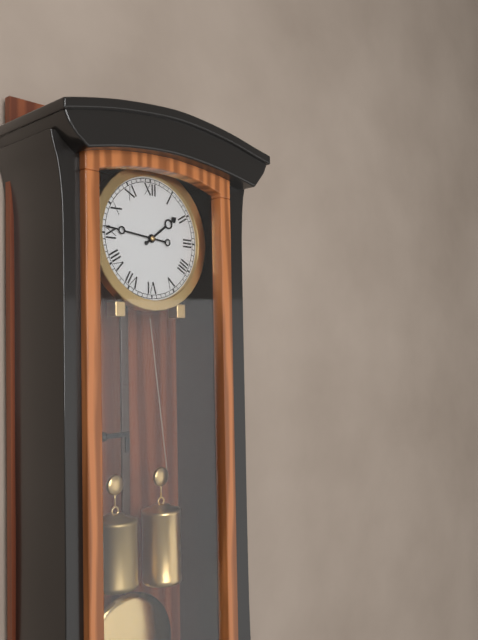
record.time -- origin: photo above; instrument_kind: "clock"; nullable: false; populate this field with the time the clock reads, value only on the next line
1:46
